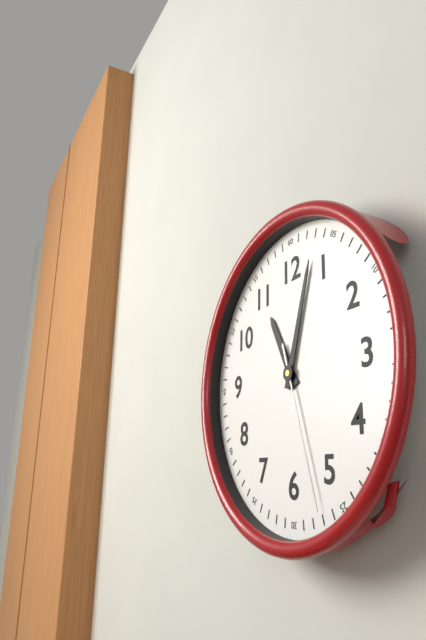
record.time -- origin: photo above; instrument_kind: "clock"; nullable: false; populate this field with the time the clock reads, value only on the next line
11:03:27
